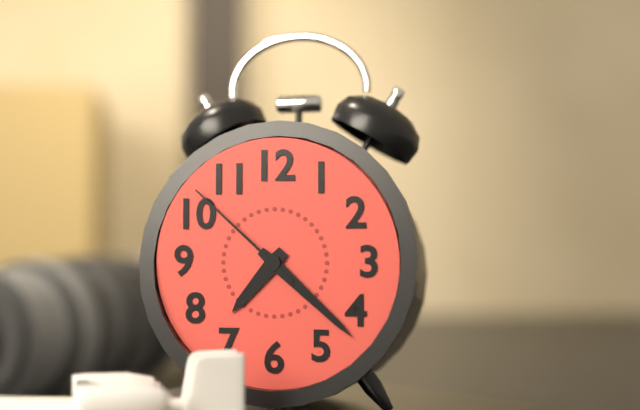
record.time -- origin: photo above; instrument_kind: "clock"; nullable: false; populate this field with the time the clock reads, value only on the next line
7:22:52
